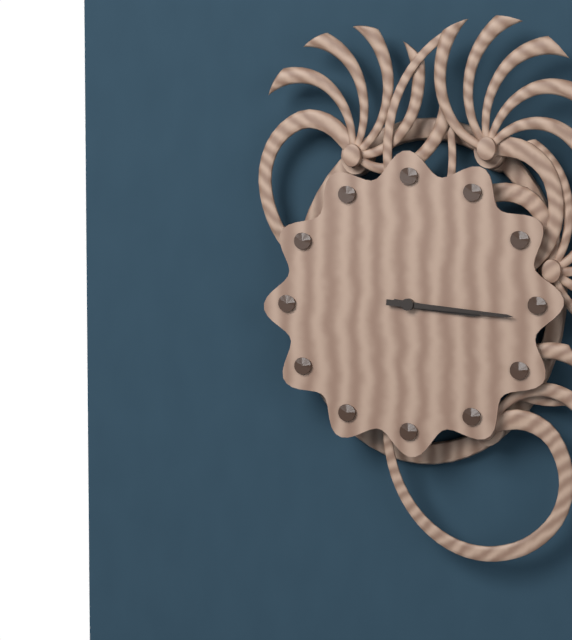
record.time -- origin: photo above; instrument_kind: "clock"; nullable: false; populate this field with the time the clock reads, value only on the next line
3:16
